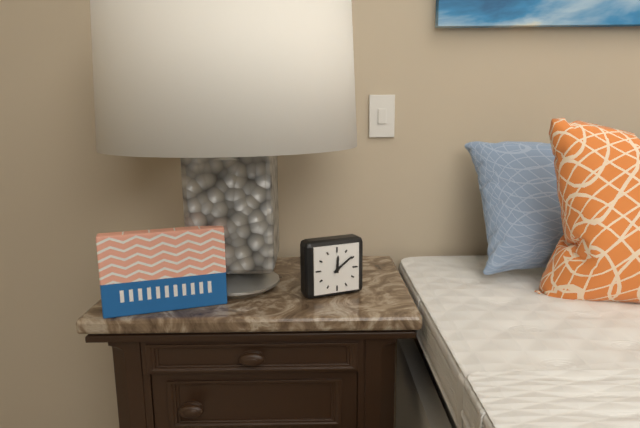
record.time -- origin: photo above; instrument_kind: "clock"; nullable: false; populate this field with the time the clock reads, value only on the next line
12:09
